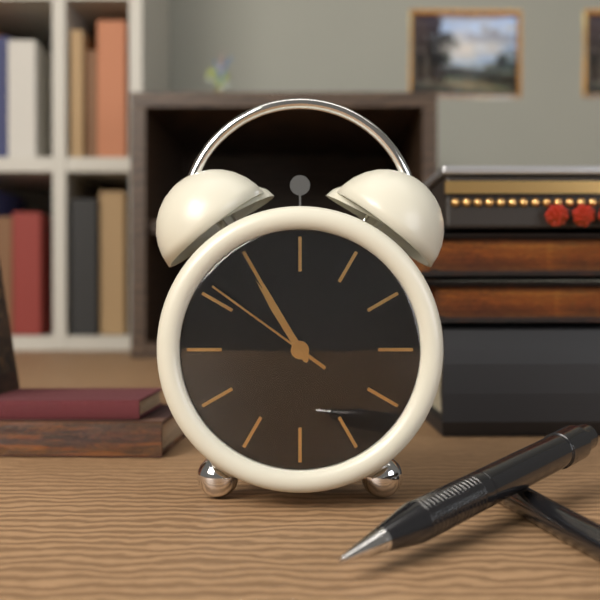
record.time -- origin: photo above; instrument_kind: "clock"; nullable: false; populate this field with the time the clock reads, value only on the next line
10:55:51
